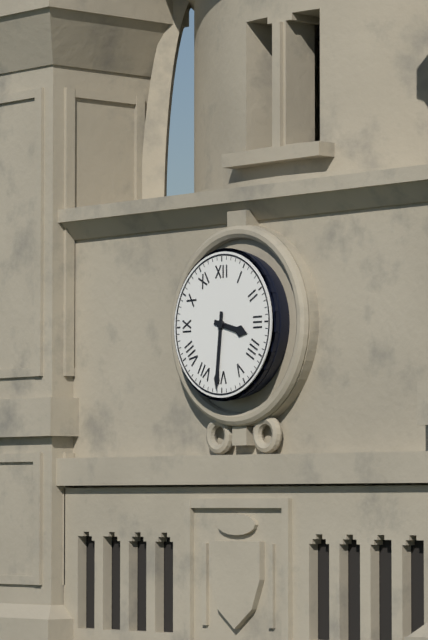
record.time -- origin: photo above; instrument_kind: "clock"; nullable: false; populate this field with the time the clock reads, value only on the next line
3:31
